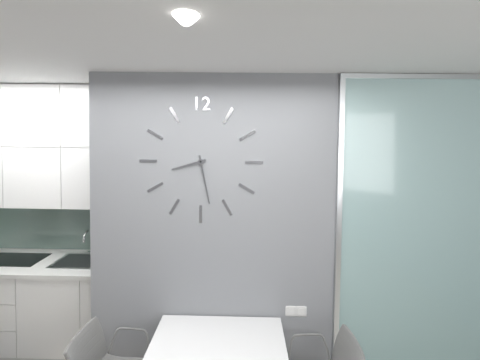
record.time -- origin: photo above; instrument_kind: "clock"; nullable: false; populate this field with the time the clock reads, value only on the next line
8:28
